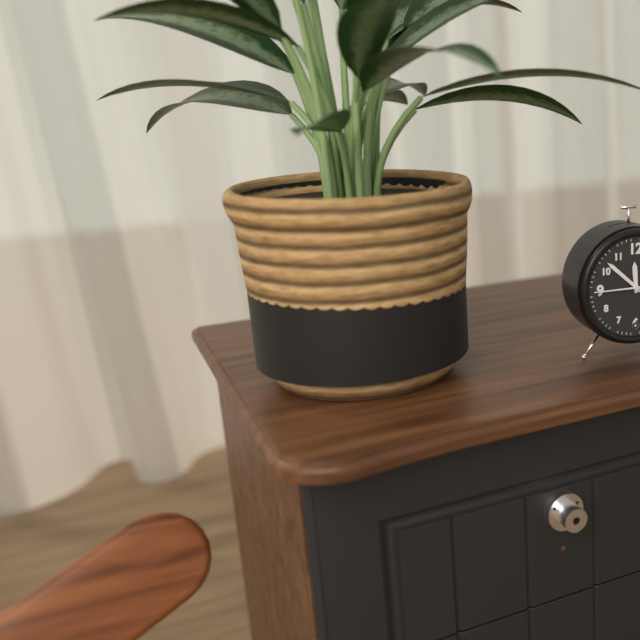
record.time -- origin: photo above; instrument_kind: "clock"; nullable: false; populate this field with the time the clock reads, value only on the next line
11:52:45
